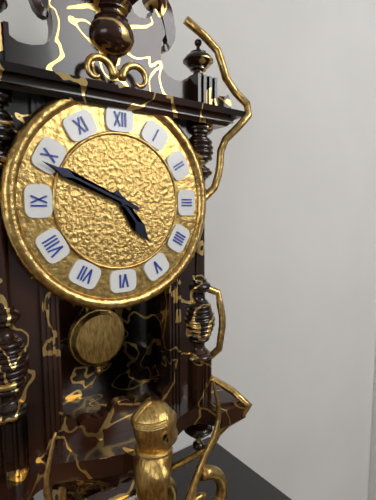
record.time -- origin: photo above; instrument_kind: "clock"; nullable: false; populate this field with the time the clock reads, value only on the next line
4:49
